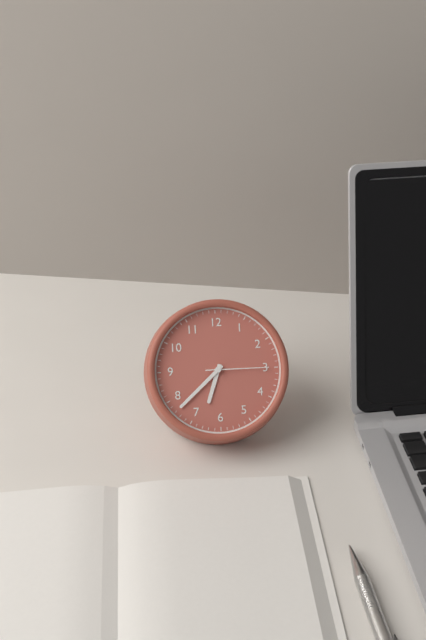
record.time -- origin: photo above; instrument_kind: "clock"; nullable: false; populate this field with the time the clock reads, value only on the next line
6:38:15
